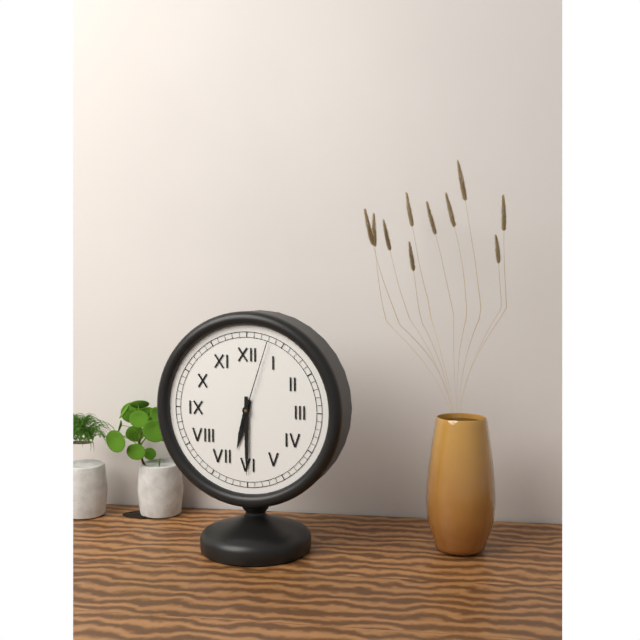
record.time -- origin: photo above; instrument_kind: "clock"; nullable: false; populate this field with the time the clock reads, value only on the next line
6:30:03
